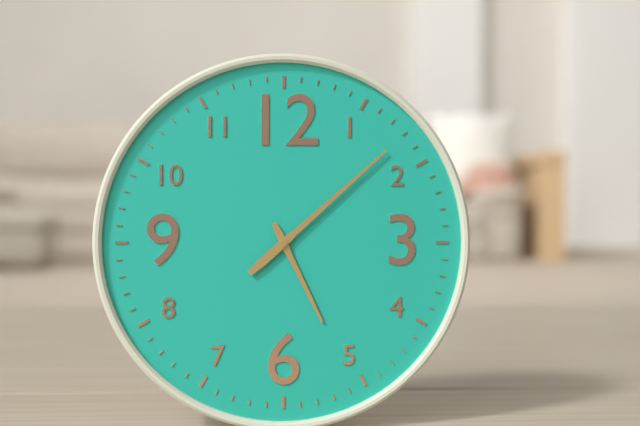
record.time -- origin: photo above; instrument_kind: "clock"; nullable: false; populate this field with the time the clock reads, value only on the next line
5:08
